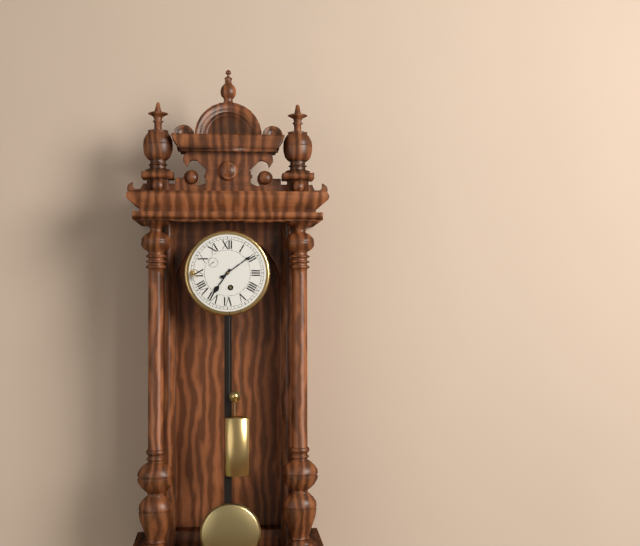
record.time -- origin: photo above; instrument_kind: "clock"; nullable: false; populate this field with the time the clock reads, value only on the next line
7:09
